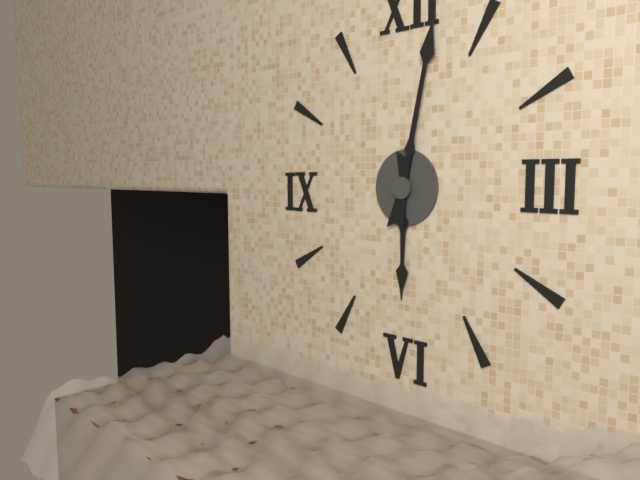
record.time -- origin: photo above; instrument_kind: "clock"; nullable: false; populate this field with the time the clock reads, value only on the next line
6:02
